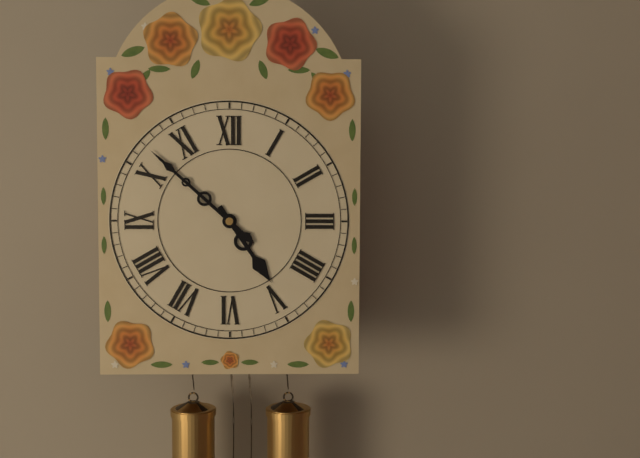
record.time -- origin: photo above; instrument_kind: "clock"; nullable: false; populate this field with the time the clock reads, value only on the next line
4:52
